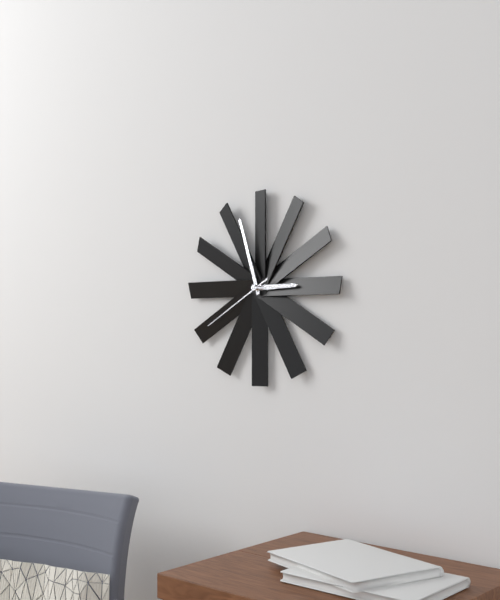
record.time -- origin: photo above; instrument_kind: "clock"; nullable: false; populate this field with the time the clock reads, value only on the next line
2:57:40
